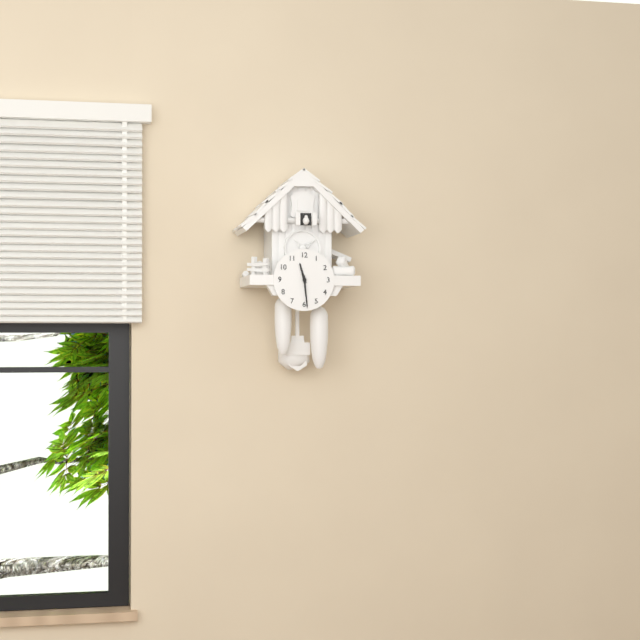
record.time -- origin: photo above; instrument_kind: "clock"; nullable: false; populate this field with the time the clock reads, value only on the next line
11:29
